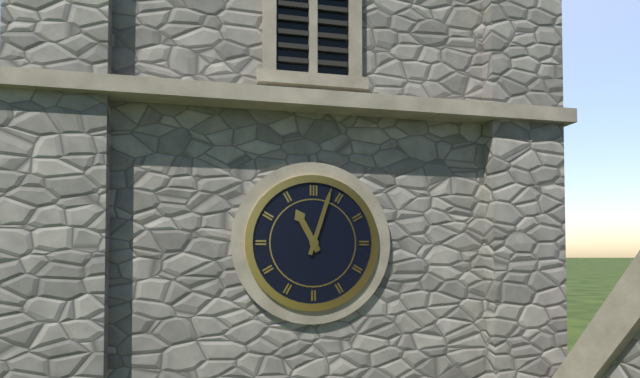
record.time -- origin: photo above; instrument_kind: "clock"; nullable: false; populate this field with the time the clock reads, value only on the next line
11:03
